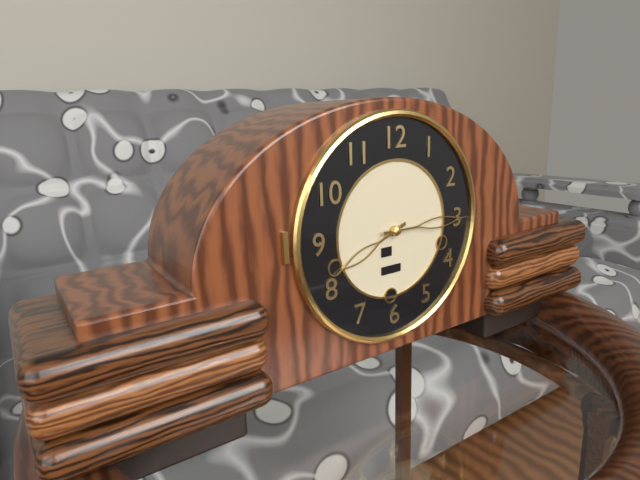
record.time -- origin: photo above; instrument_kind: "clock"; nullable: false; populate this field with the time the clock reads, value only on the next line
8:15
